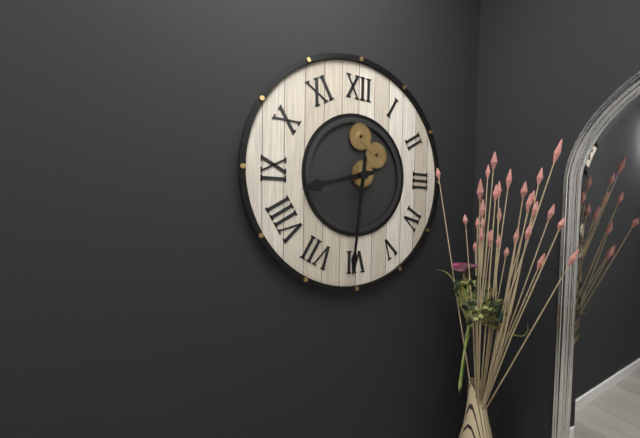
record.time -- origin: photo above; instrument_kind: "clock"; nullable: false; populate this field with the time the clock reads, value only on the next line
8:31
